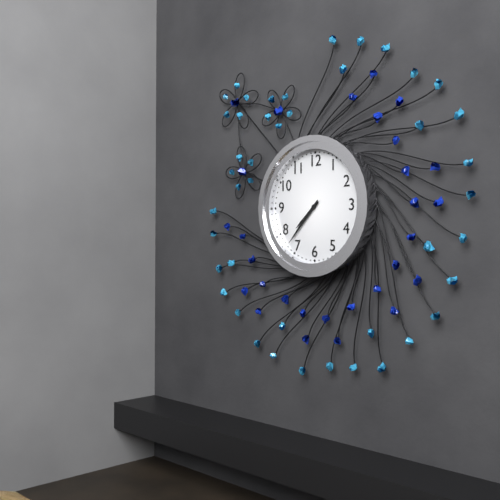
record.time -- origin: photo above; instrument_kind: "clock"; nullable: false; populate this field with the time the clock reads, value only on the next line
7:37
